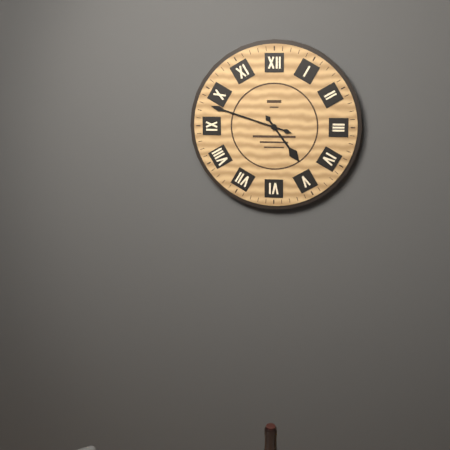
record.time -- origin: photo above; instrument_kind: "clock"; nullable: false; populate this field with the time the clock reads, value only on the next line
4:48
